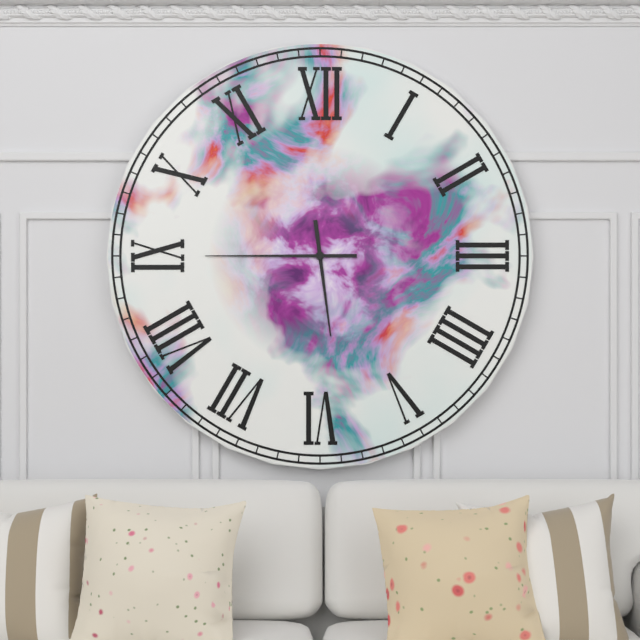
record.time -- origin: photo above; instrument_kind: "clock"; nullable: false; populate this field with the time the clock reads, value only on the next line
5:45
